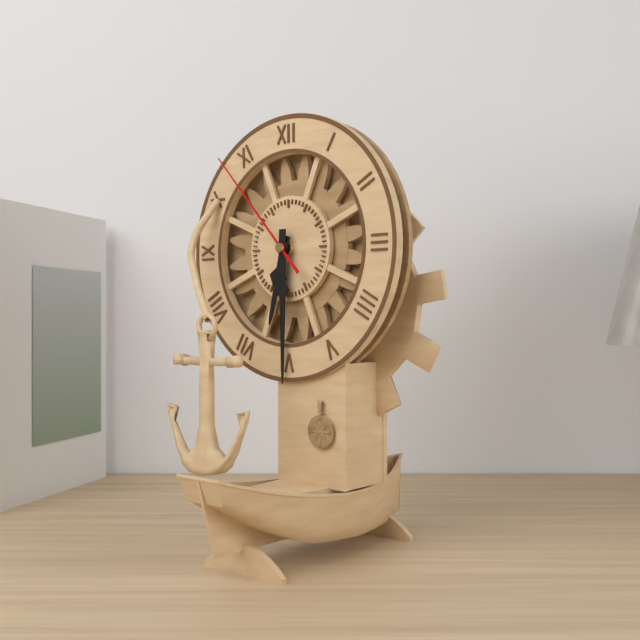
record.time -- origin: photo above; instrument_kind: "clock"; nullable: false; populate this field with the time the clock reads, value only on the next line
6:30:53
